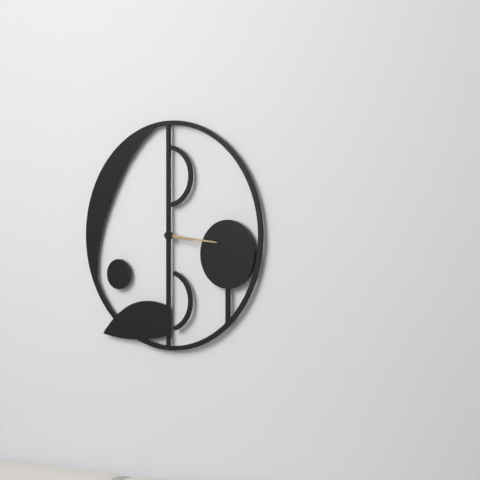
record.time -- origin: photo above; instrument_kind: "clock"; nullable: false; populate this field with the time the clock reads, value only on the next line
3:16
